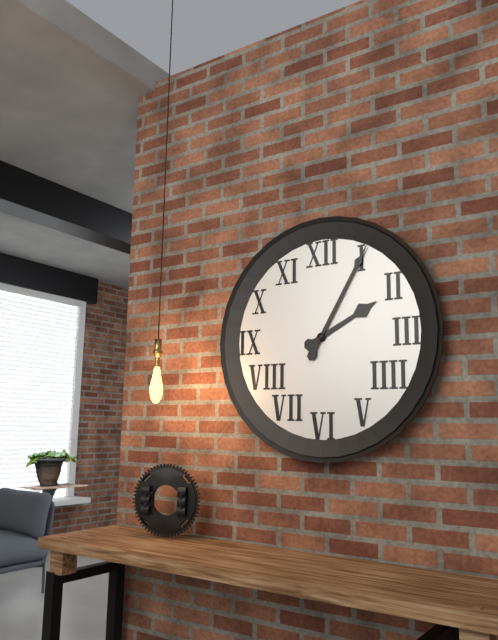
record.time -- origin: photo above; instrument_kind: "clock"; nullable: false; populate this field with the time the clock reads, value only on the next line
2:05
